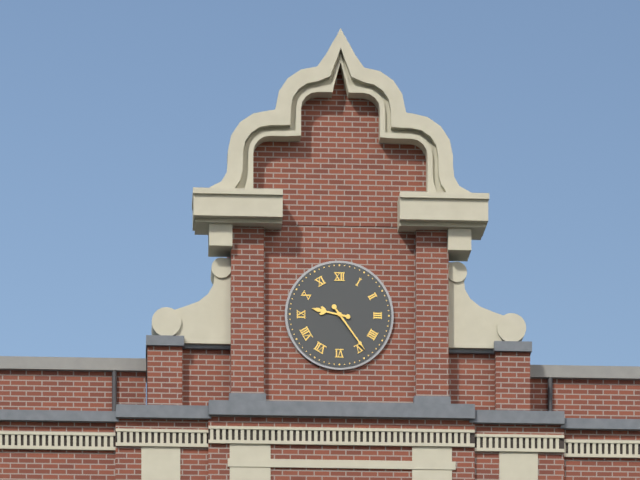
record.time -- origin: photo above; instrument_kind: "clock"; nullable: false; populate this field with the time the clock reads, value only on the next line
9:24
